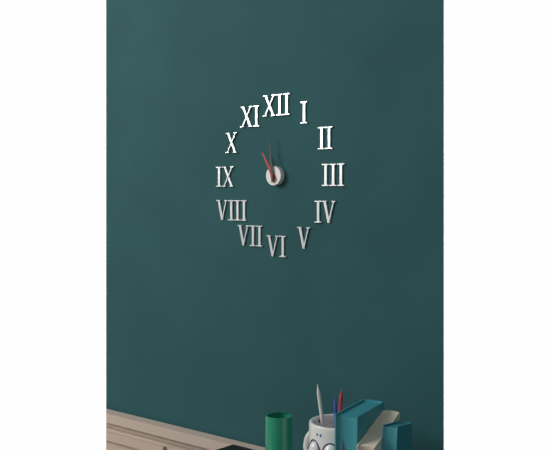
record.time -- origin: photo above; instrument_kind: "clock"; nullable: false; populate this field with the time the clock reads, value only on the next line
10:59
